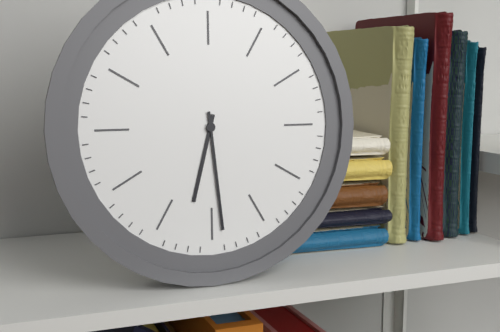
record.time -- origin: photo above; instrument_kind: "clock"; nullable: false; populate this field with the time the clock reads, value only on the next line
6:29
